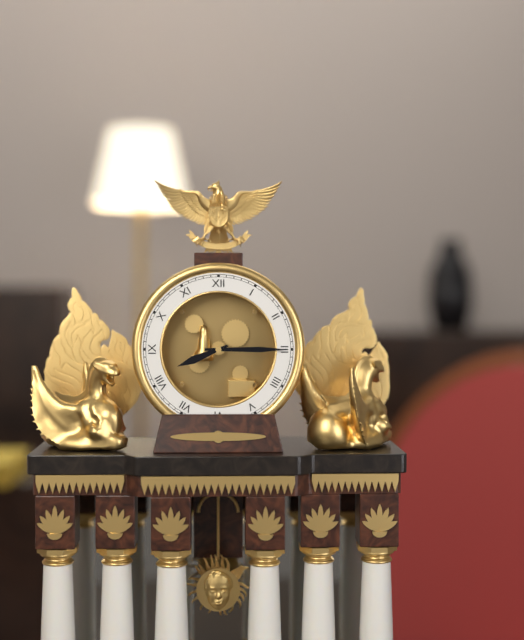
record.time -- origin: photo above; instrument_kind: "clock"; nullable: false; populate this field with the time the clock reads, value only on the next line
8:15
